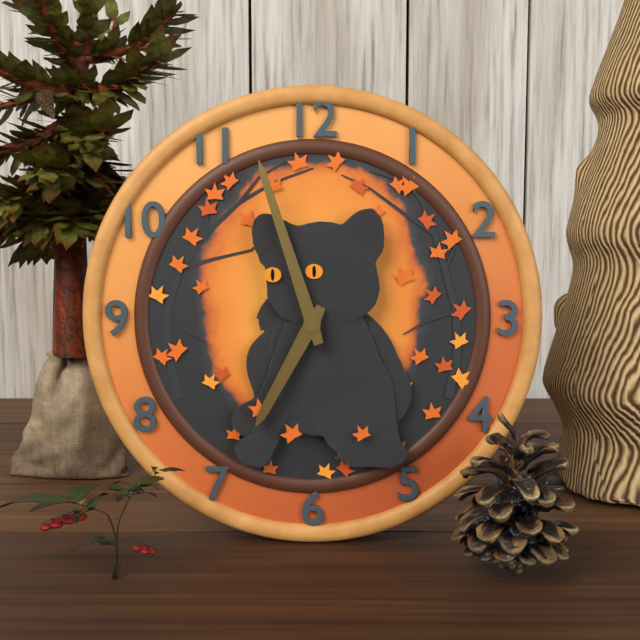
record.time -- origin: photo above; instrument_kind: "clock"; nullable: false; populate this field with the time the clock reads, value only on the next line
6:57
